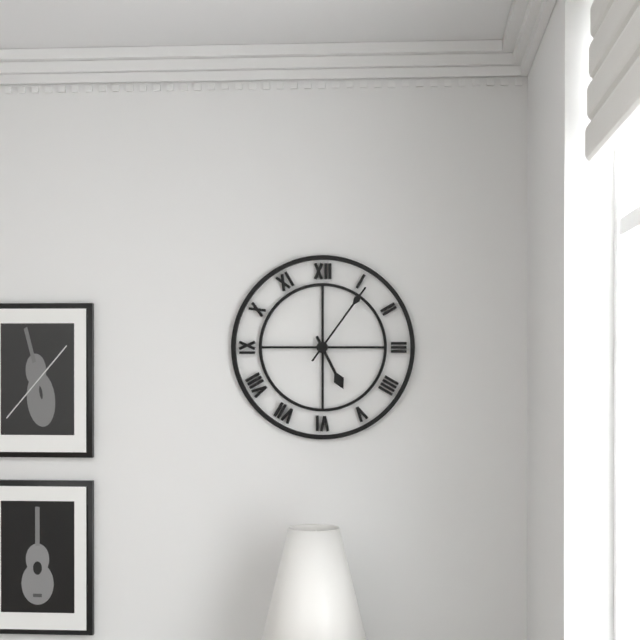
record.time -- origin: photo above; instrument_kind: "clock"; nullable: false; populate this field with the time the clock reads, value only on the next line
5:06
